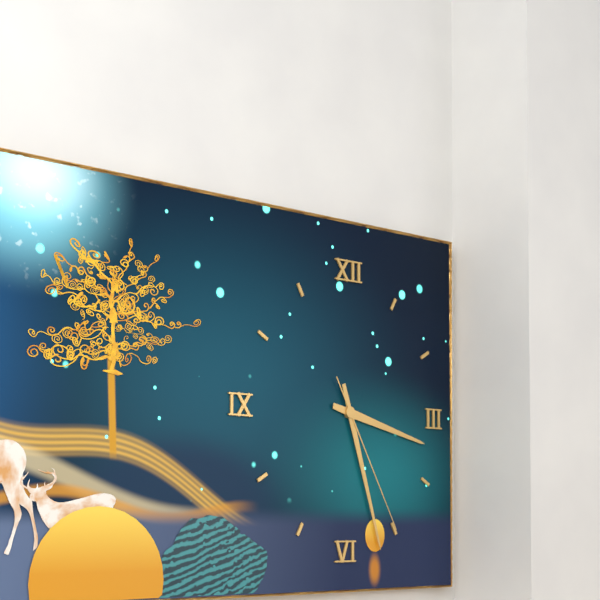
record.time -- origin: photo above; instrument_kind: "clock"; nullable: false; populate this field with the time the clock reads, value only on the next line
3:27:25
